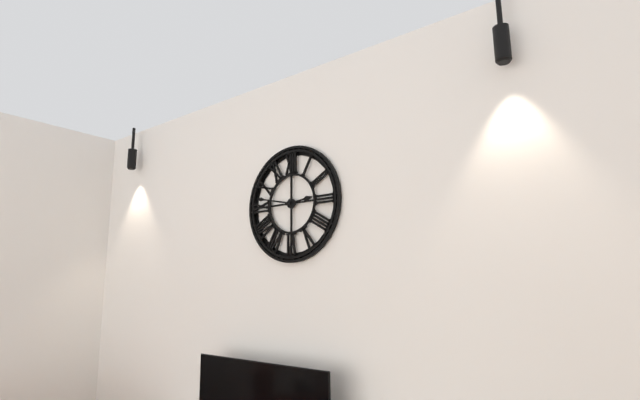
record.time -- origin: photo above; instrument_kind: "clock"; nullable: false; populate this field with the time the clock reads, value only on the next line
2:47
